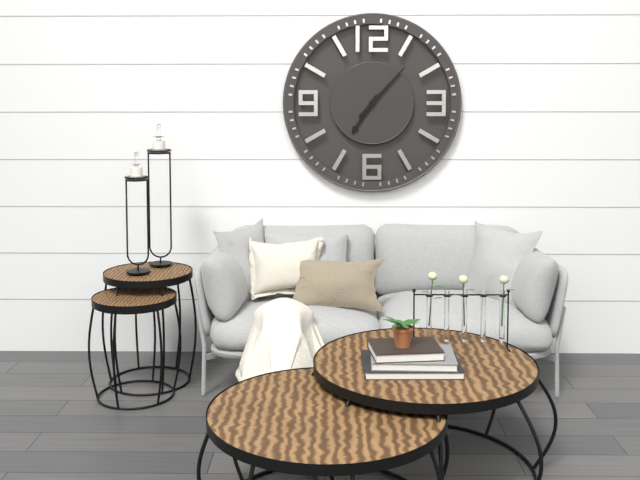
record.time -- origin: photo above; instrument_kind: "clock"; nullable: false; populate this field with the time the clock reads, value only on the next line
7:07
